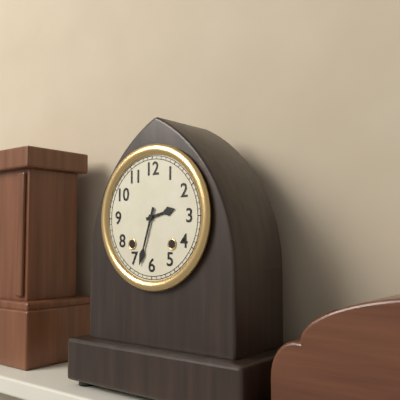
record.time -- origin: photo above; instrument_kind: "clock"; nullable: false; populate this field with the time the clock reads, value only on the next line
2:33
